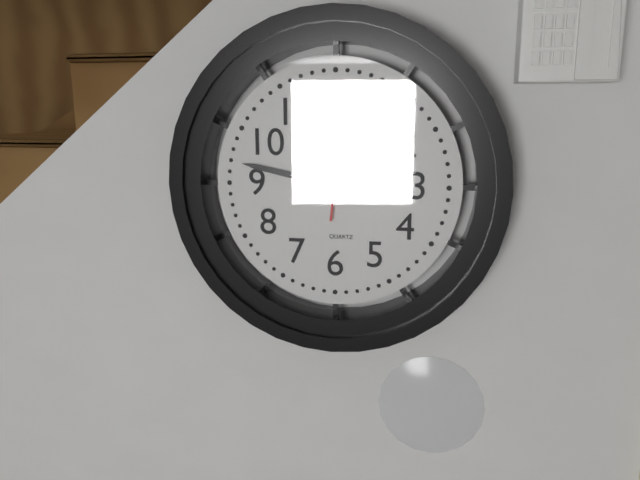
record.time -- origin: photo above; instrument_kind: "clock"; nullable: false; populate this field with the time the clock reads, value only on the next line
10:47:01
